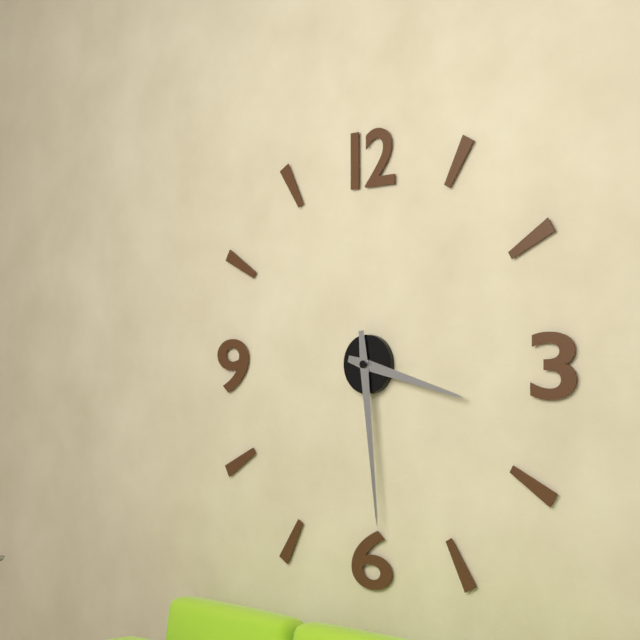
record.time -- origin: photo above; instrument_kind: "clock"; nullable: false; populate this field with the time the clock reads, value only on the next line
3:29
